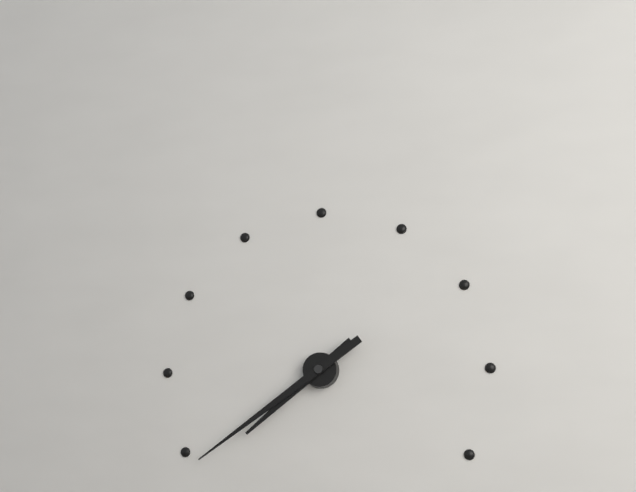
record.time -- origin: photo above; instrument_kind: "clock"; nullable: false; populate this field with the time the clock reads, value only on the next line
7:39
